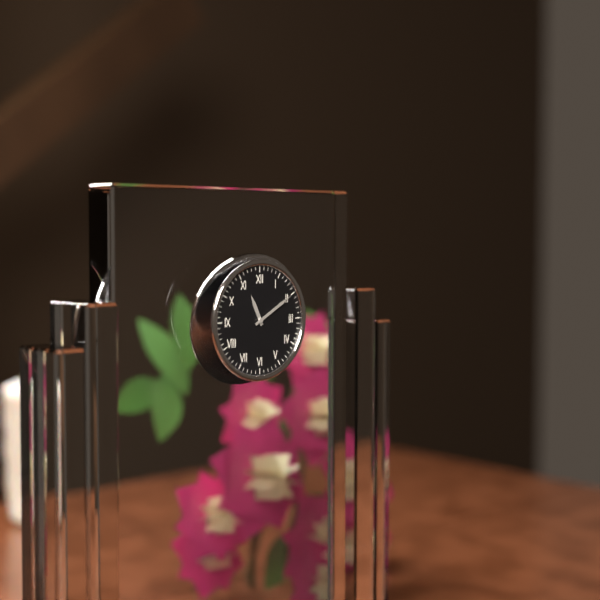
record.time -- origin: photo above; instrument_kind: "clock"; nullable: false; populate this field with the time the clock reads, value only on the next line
11:10
